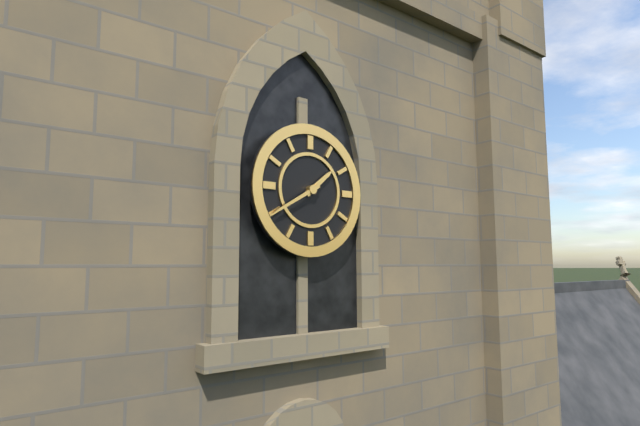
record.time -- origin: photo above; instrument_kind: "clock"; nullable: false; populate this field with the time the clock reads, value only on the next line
1:40
